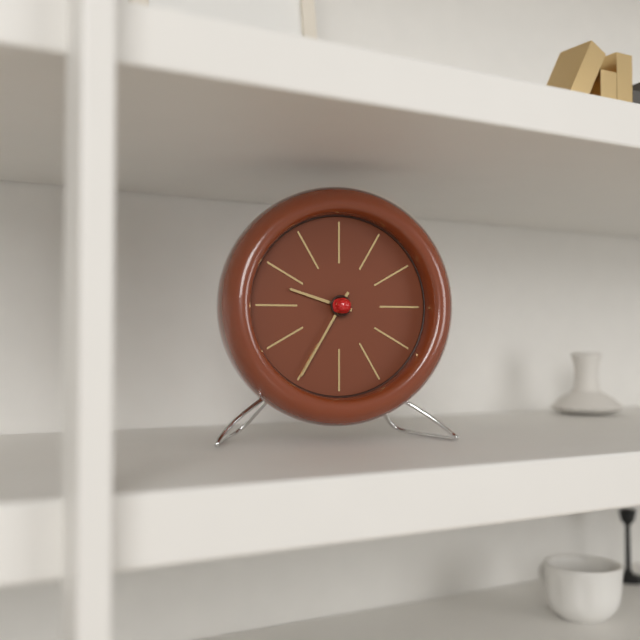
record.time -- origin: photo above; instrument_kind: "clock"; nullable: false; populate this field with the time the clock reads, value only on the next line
9:35
